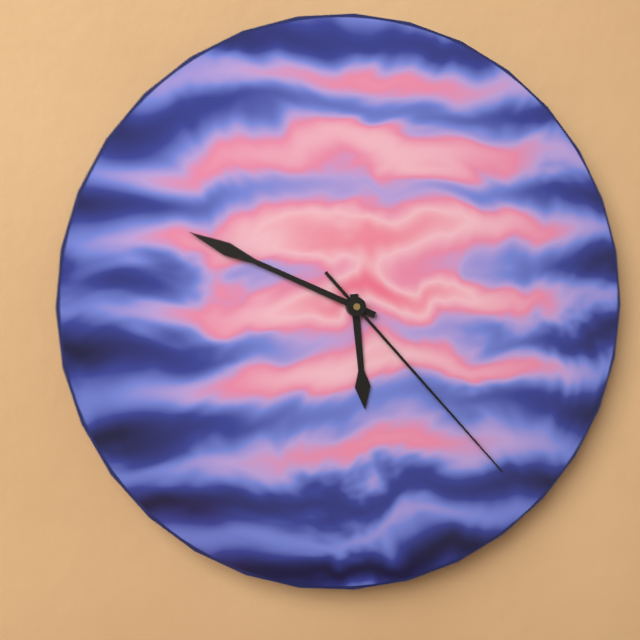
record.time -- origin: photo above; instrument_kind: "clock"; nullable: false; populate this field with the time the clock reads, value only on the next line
5:49:23
